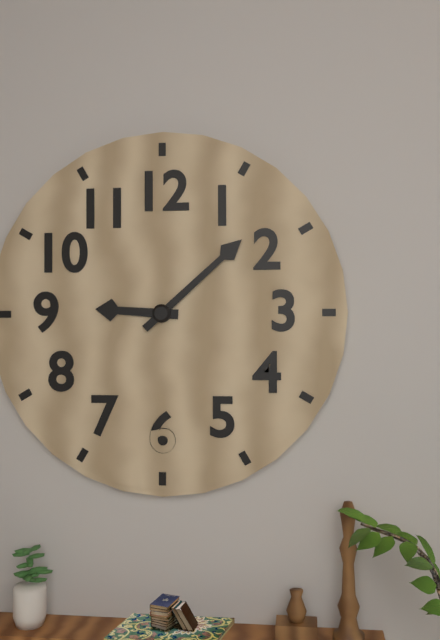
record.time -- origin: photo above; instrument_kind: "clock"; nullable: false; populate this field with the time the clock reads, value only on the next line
9:08
